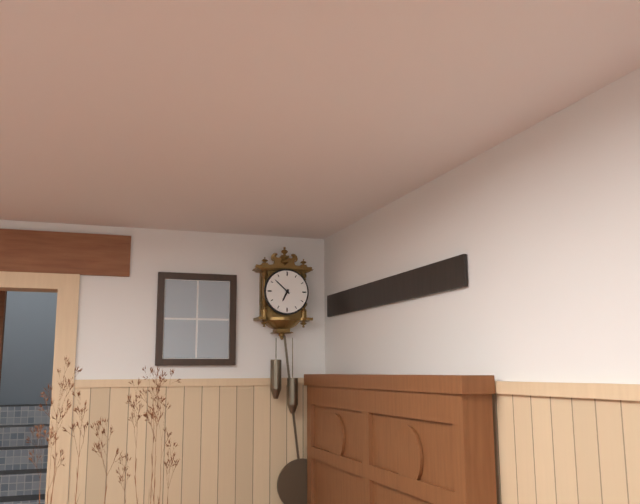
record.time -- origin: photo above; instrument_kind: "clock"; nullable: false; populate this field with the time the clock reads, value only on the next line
6:52
